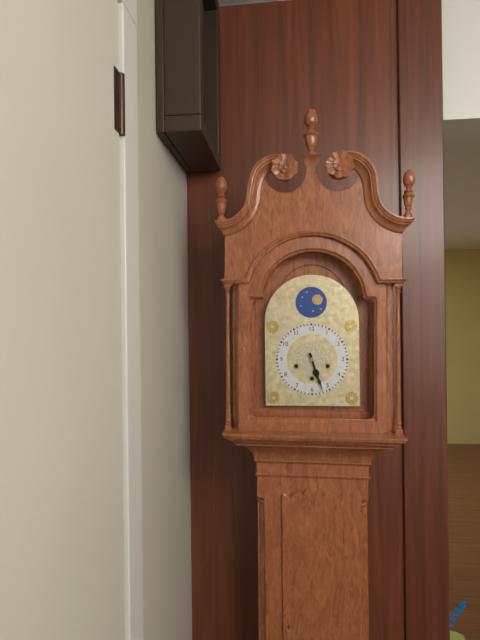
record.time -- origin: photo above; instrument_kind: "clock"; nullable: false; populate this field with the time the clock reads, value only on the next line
5:27
